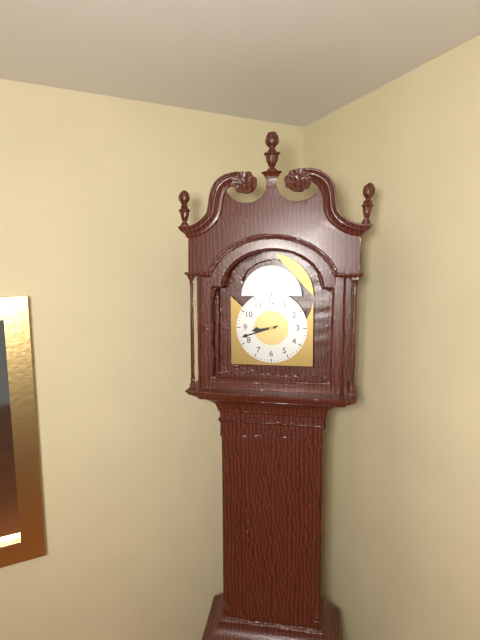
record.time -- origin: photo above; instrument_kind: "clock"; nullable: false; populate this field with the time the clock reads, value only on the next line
8:42
